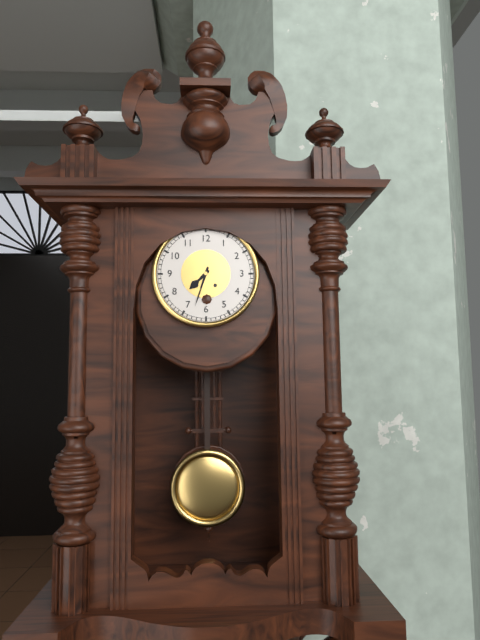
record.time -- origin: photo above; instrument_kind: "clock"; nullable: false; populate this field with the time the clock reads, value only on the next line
7:33
